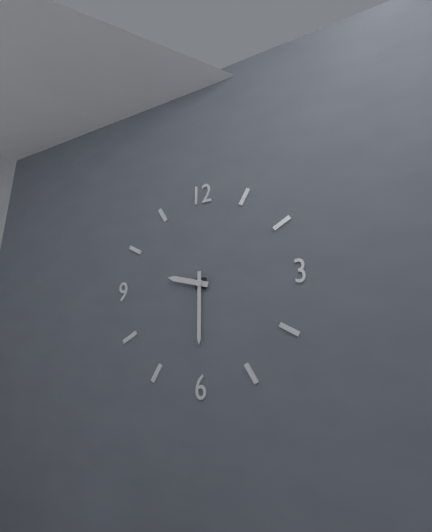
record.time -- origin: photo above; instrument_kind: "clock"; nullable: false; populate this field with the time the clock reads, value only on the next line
9:30
